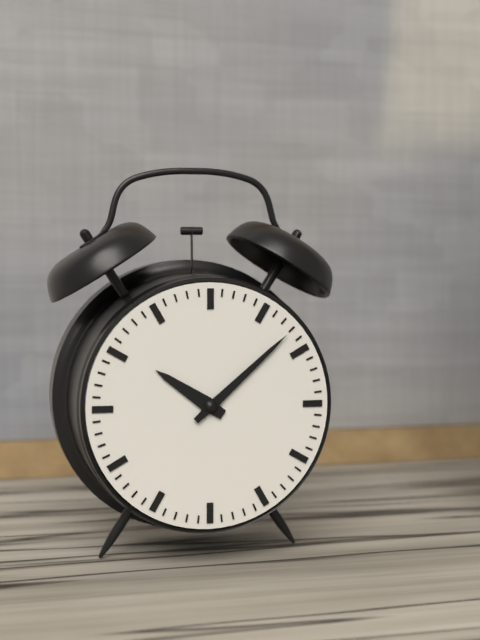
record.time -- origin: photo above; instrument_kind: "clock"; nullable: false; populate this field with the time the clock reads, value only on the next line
10:08
